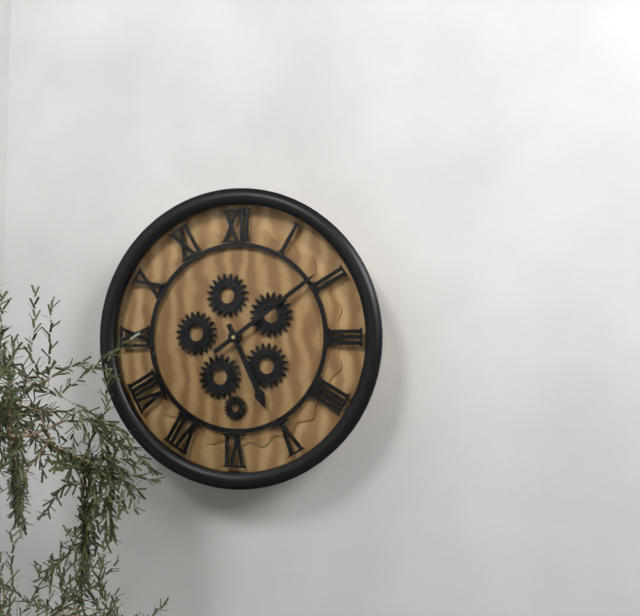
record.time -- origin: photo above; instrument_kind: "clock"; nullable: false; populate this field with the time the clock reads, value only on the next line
5:09
